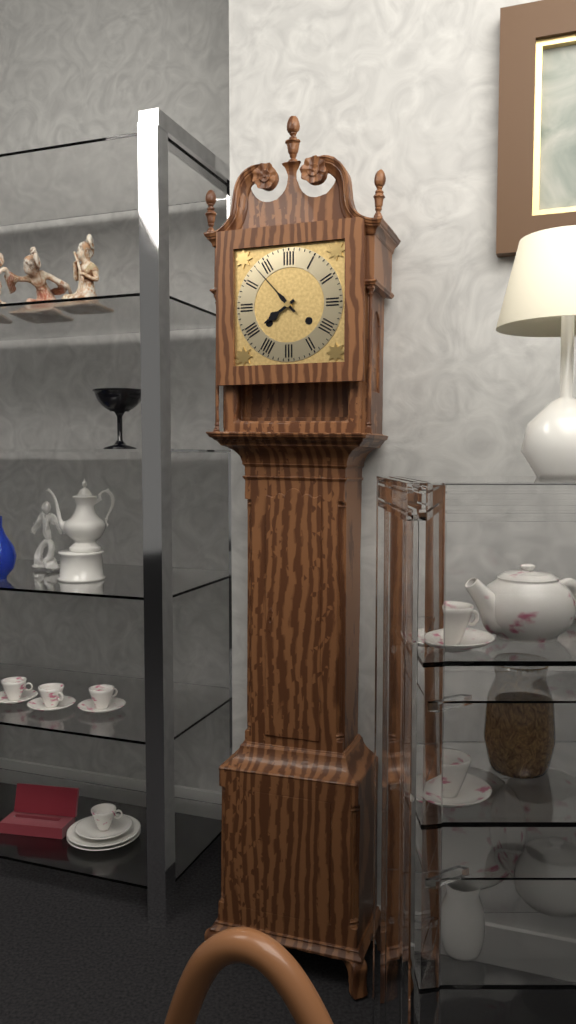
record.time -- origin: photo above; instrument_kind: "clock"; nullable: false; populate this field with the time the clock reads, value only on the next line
7:53
